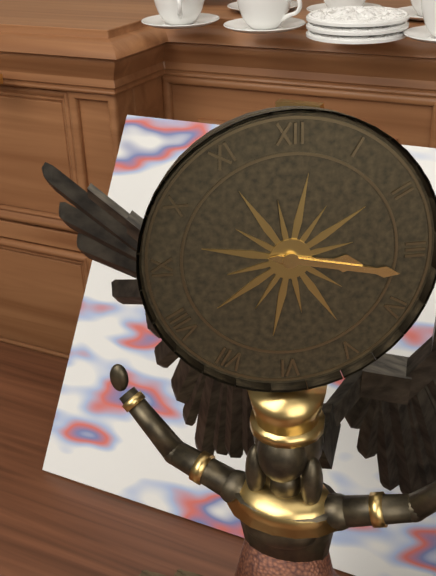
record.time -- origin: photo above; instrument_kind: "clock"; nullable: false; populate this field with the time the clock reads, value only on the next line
3:17
